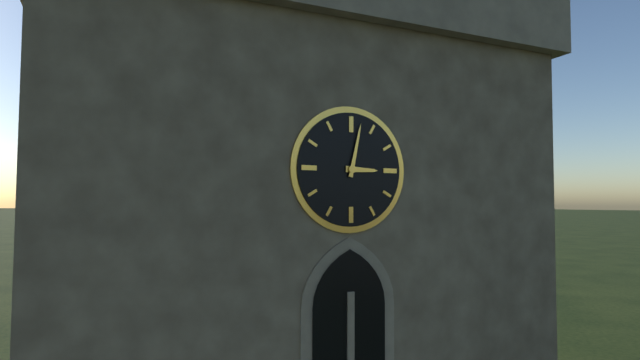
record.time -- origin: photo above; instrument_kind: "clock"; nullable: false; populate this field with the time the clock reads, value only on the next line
3:02
